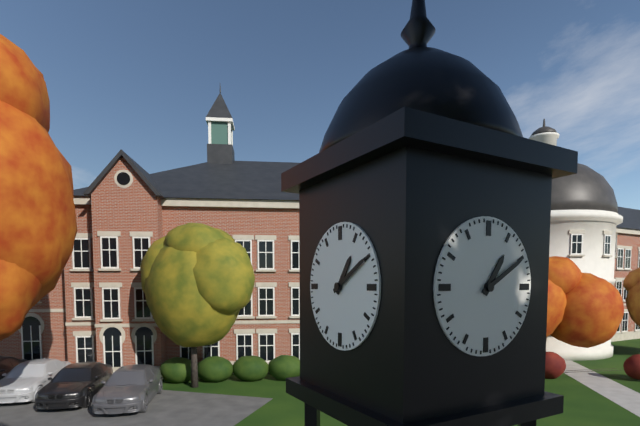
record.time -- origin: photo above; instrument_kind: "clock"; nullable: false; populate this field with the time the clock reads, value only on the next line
1:10
